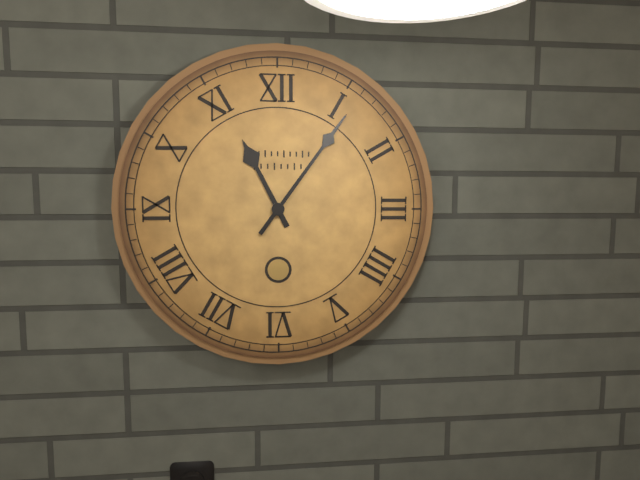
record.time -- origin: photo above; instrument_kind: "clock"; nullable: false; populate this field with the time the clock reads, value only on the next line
11:06
